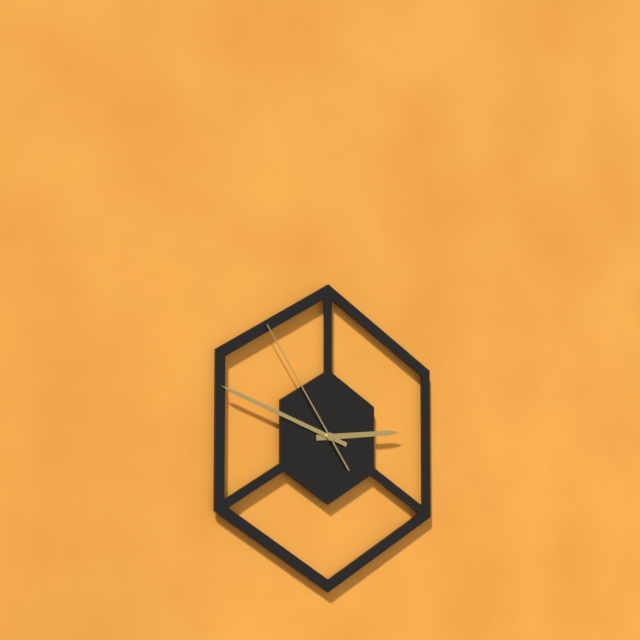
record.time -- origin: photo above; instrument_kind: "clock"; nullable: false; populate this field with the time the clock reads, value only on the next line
2:48:54
